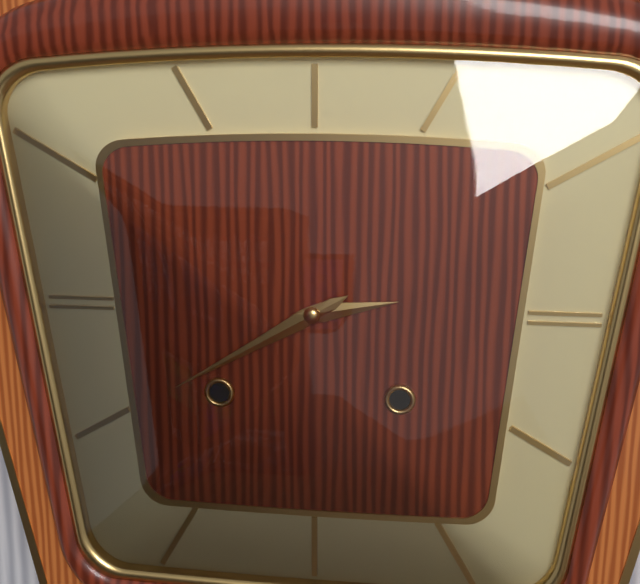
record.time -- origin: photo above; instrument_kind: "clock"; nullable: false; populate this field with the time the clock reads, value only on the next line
2:40
